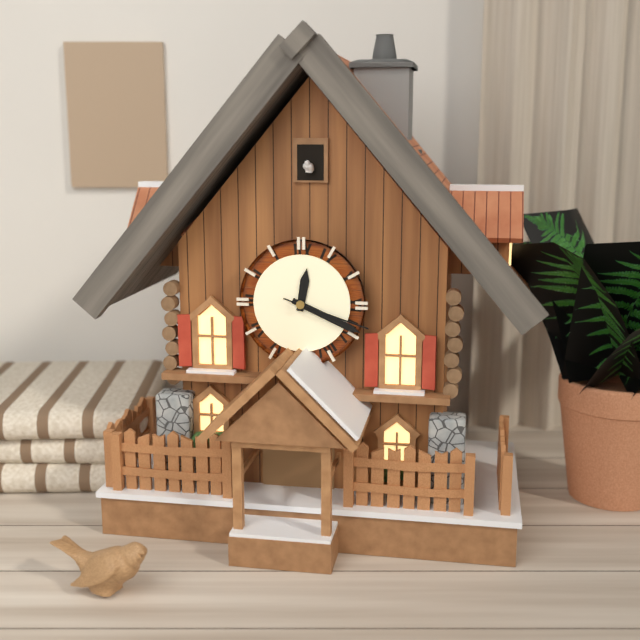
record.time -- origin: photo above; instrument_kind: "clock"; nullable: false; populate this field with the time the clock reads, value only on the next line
12:19:18
